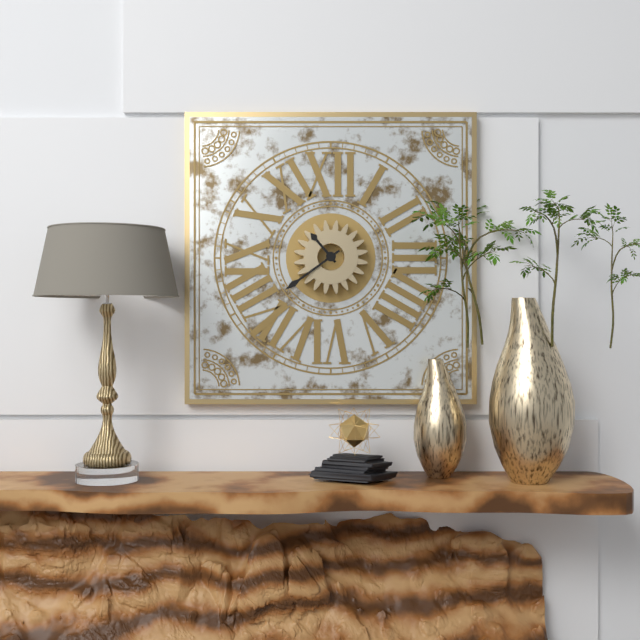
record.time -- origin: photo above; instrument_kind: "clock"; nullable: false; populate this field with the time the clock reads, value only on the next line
10:39
